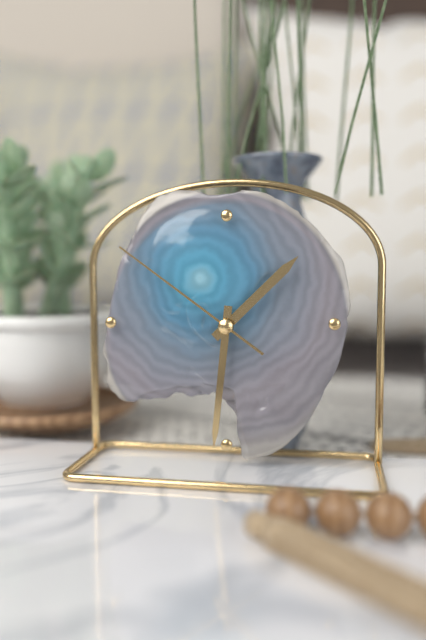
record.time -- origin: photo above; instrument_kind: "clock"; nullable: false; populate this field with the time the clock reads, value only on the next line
1:31:51
